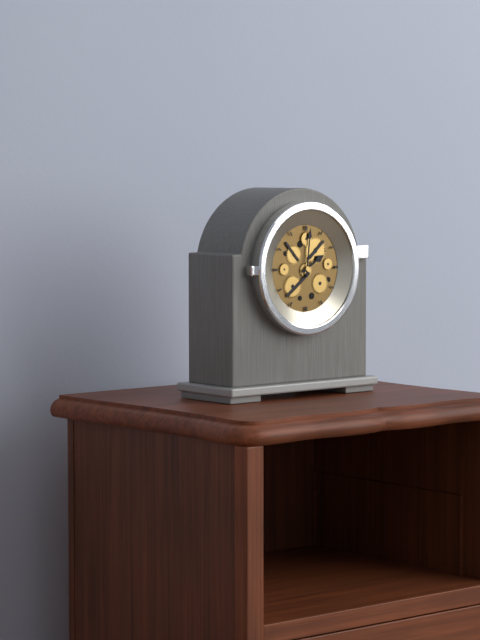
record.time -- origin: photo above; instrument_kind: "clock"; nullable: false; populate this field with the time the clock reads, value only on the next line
2:01
